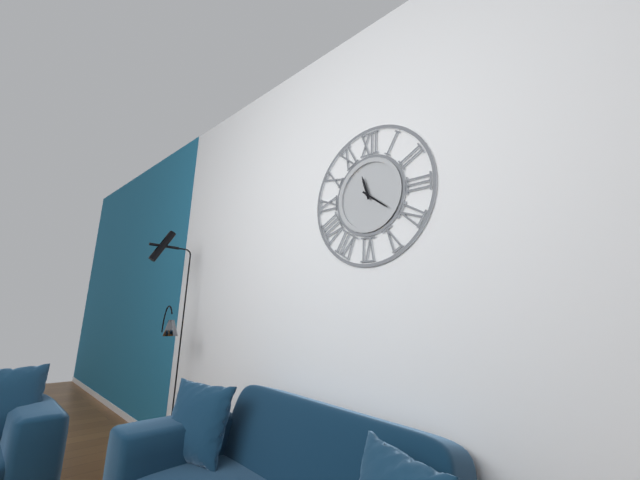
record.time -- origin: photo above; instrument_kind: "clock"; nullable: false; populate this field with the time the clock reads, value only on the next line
11:21
